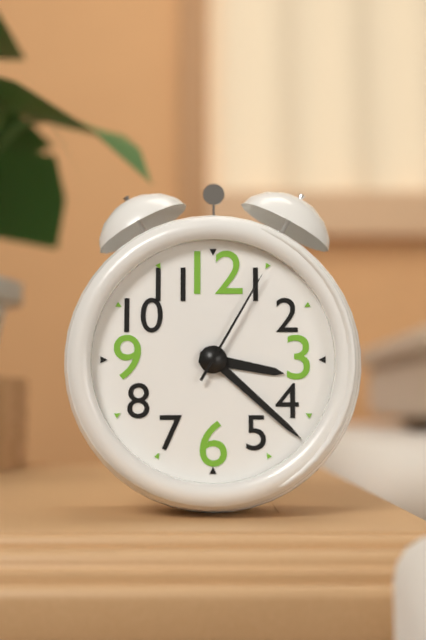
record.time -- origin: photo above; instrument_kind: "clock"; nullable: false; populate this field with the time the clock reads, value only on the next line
3:22:05
